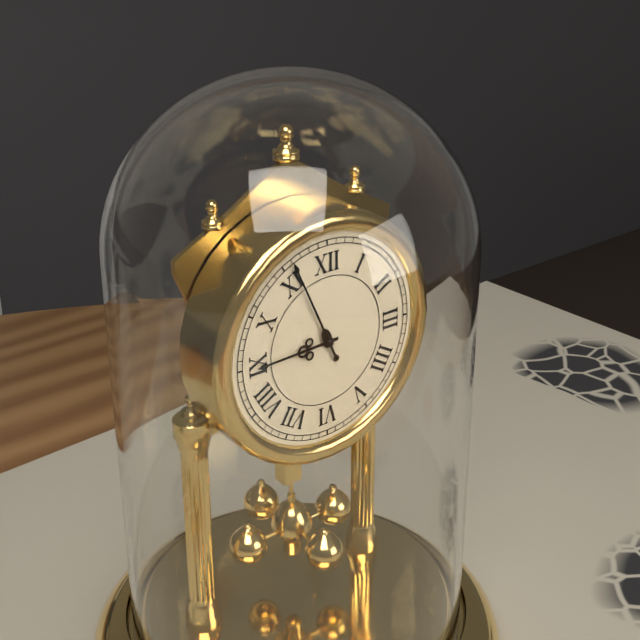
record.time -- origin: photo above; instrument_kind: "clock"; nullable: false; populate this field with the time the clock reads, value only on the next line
8:56
